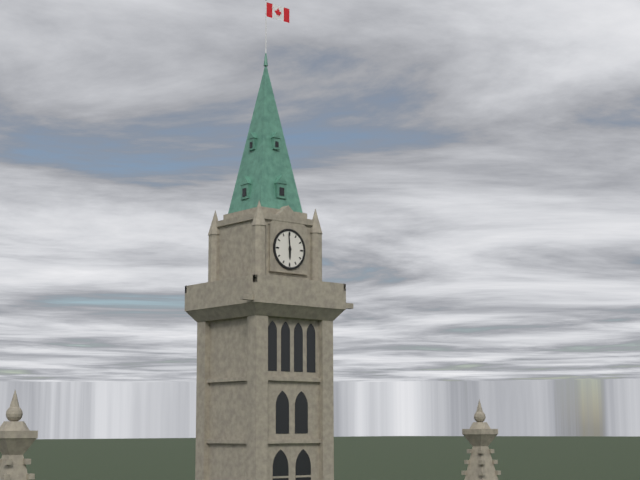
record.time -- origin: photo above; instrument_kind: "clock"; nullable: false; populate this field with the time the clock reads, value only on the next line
5:59
